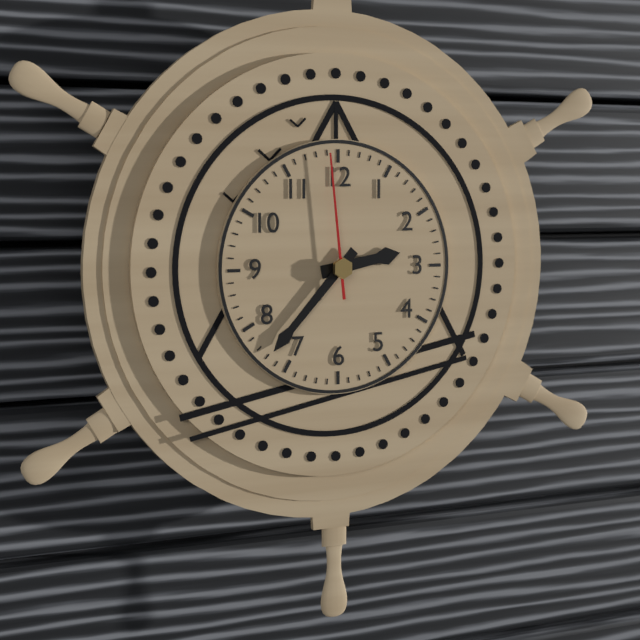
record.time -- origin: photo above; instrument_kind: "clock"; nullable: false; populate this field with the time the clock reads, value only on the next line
2:37:59
